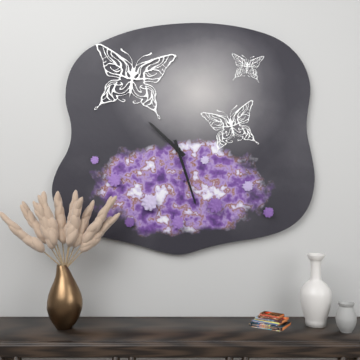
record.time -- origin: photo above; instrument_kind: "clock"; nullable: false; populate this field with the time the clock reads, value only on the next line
10:27
